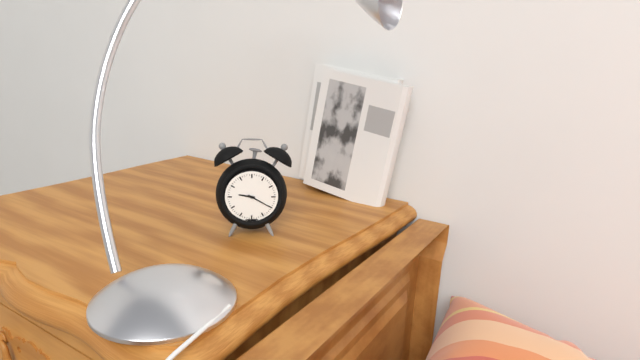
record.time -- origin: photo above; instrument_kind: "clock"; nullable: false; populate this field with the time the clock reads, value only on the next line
9:20
